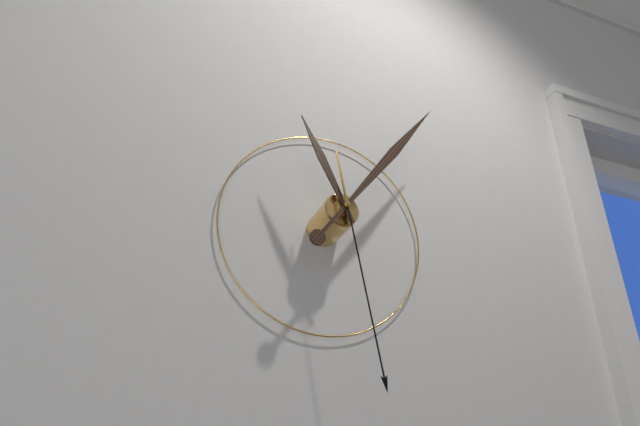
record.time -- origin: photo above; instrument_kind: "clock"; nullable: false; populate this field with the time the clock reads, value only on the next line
11:06:28
